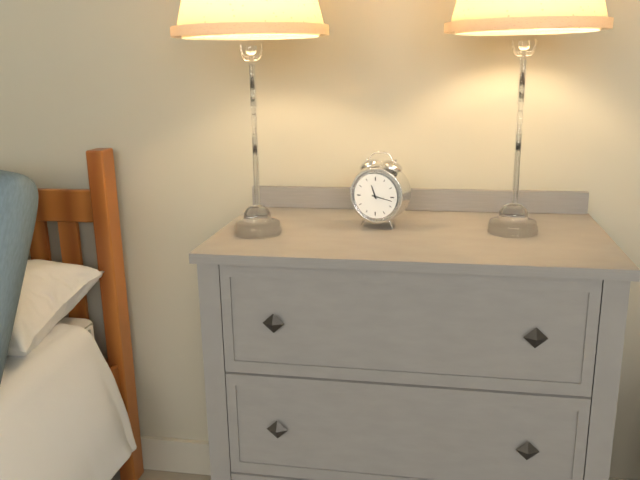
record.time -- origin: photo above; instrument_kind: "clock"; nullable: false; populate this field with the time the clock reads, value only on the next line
11:17
